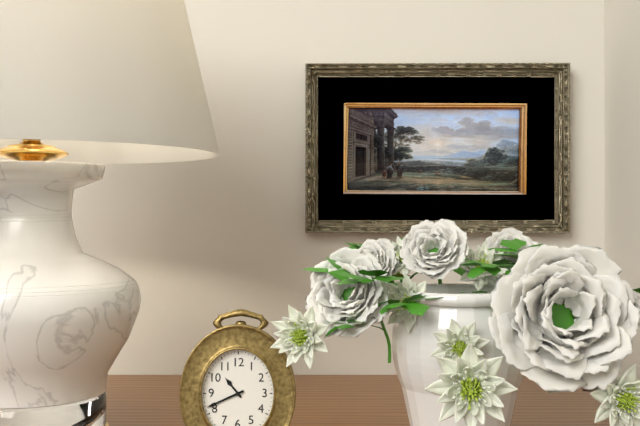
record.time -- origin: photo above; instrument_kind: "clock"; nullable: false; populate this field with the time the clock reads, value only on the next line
10:41
